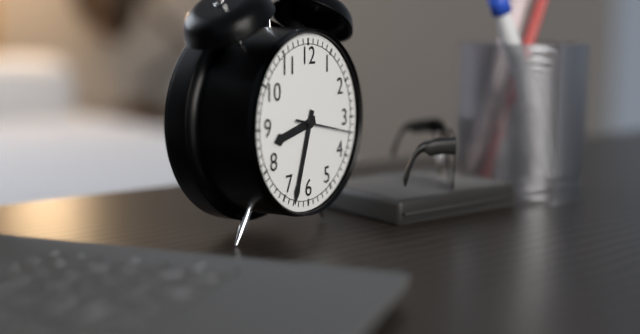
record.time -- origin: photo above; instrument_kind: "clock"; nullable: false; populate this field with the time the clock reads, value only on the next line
8:33:17
